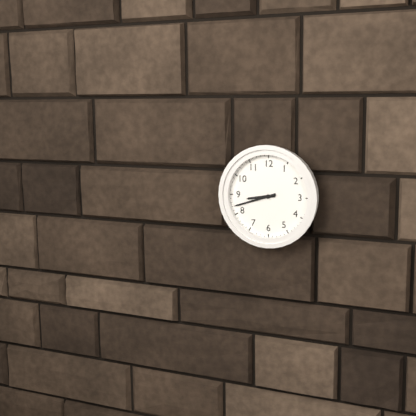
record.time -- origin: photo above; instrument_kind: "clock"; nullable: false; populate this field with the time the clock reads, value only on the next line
8:42
